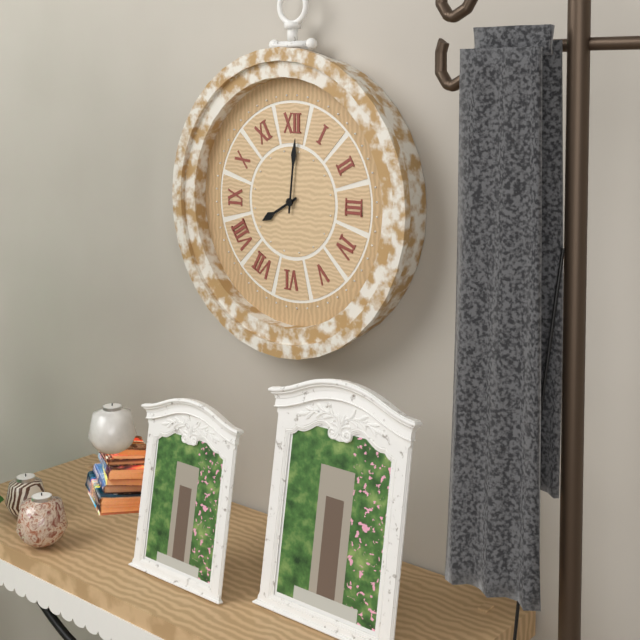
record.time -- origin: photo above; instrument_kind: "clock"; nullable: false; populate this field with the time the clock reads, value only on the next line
8:01
